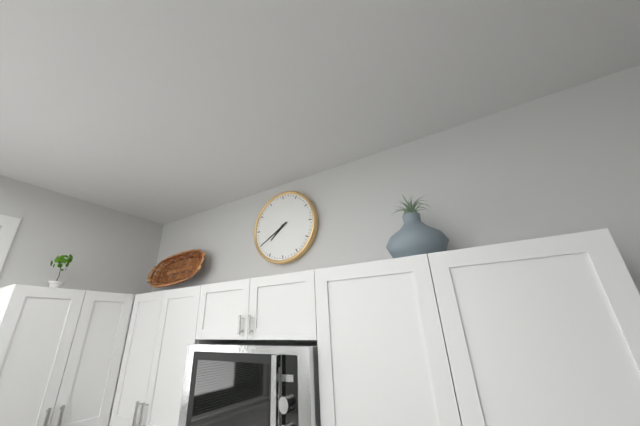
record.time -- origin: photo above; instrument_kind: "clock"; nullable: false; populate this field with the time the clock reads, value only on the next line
7:40
